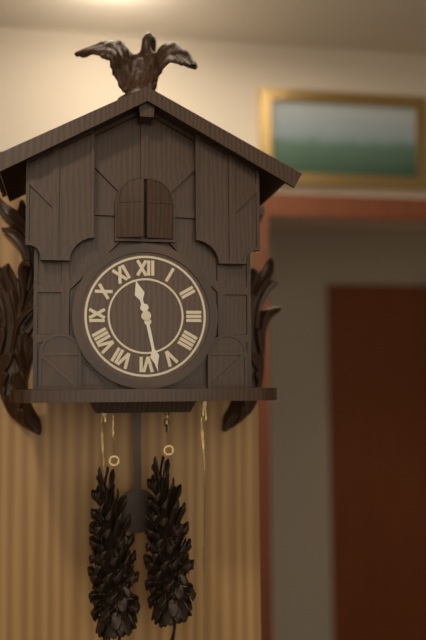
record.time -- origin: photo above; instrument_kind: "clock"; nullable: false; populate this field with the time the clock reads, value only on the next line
11:28
